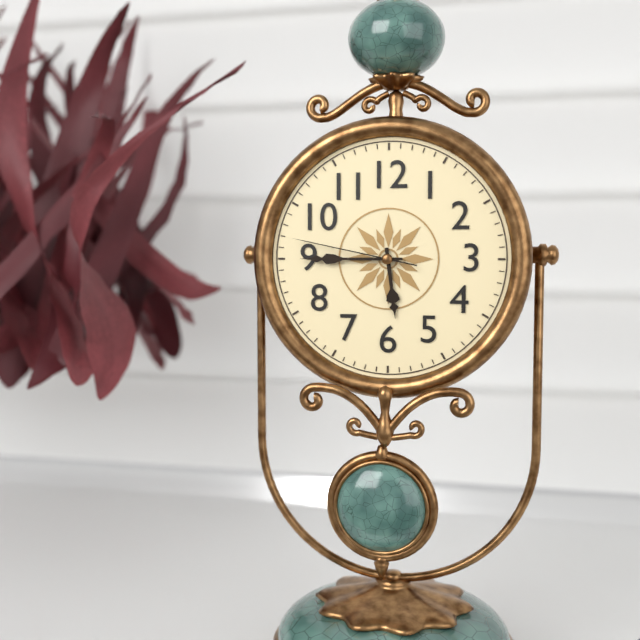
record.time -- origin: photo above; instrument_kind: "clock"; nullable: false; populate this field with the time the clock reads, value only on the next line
5:45:47
